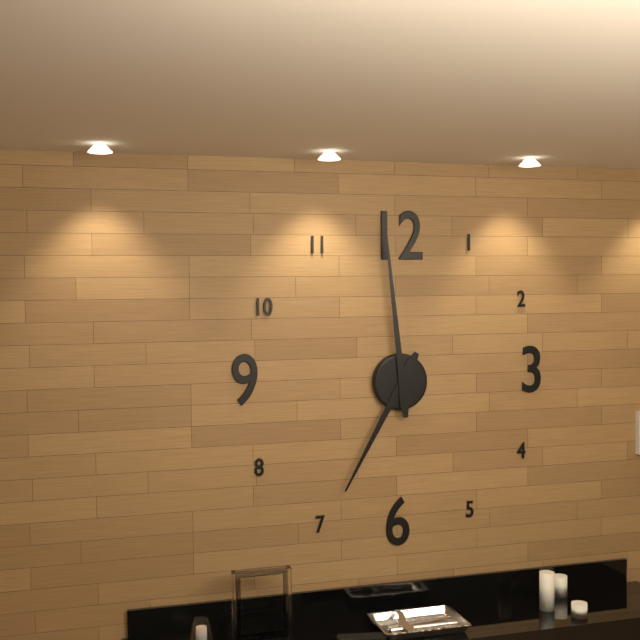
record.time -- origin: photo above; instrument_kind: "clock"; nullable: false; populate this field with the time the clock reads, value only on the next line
6:59
